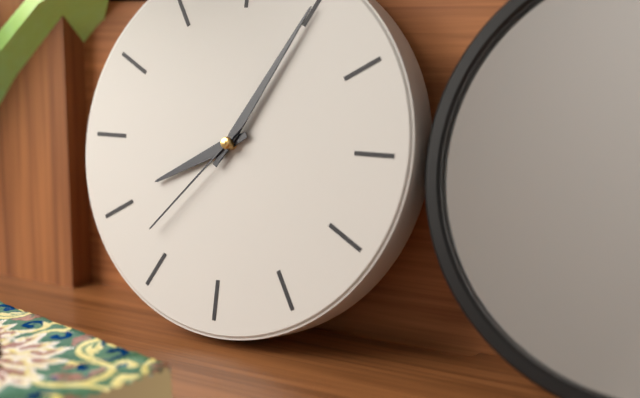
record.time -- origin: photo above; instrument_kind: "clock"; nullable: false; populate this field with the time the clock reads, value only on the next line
8:05:37
